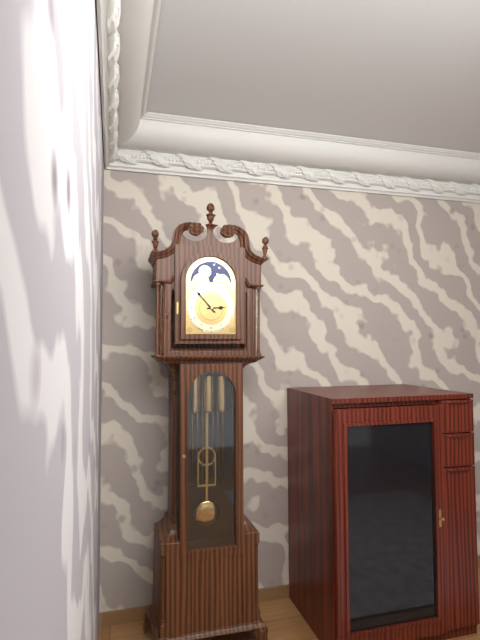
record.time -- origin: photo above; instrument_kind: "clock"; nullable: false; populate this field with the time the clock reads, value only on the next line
2:53
